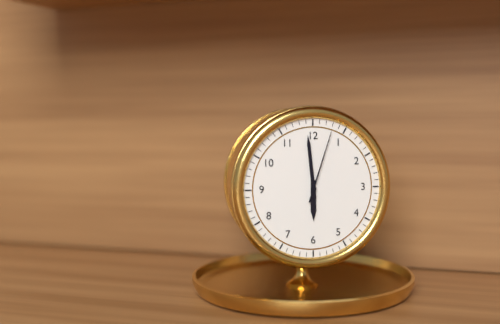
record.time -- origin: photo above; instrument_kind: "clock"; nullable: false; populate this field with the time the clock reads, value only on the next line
5:59:03
